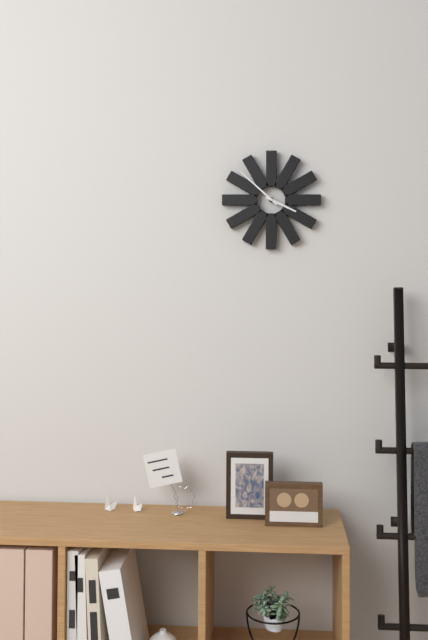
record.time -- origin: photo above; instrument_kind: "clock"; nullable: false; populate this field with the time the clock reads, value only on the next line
3:52
